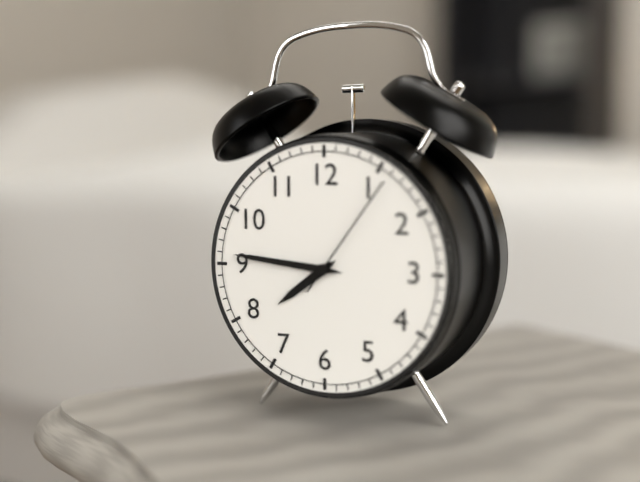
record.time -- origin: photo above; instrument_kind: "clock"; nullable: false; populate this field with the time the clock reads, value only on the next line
7:46:06
